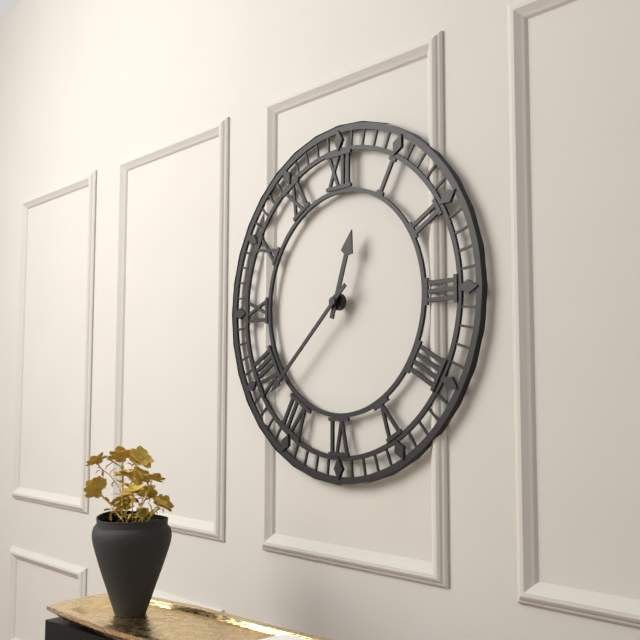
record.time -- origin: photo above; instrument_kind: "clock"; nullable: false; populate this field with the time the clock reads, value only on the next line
12:38
